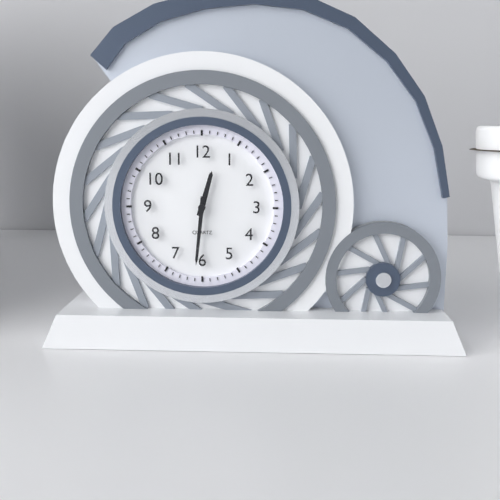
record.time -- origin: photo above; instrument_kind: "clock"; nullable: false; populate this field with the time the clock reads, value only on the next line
12:31
